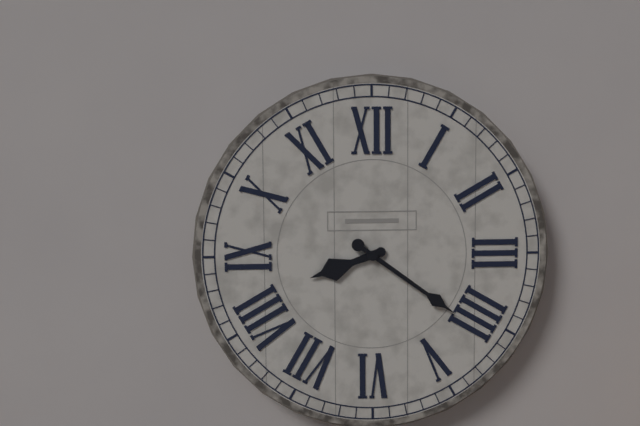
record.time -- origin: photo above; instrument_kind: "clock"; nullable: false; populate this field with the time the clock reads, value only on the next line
8:21
